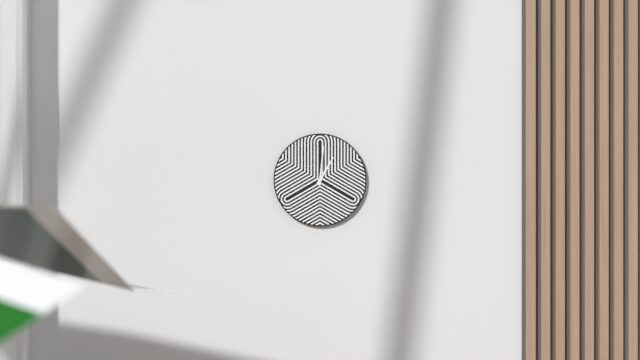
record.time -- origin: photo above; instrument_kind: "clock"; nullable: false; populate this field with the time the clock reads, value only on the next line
1:01
